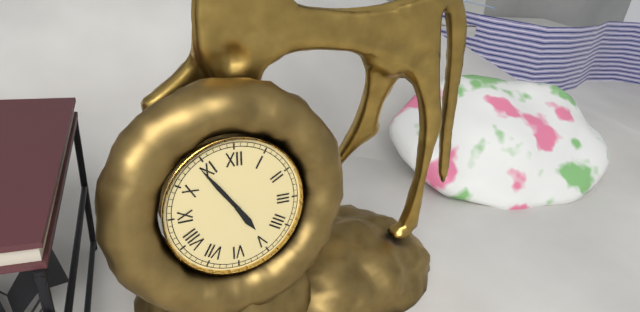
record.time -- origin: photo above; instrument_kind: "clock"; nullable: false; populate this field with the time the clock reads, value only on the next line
4:54
